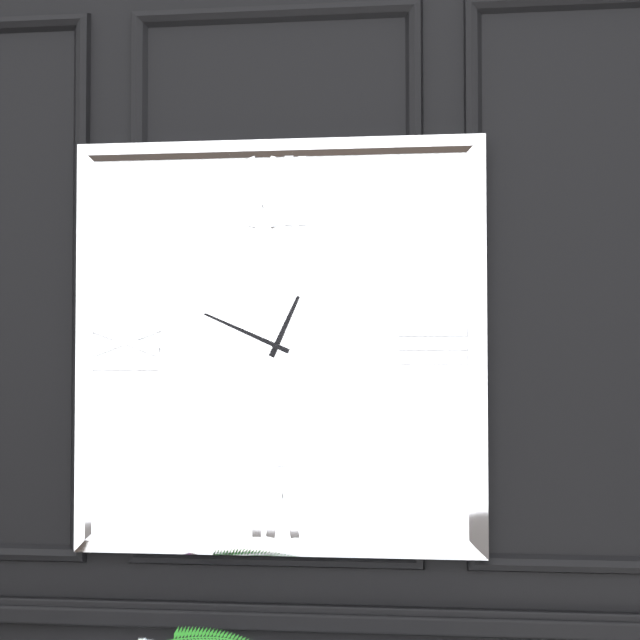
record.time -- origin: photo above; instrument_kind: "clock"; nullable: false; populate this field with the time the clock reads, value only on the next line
12:49
